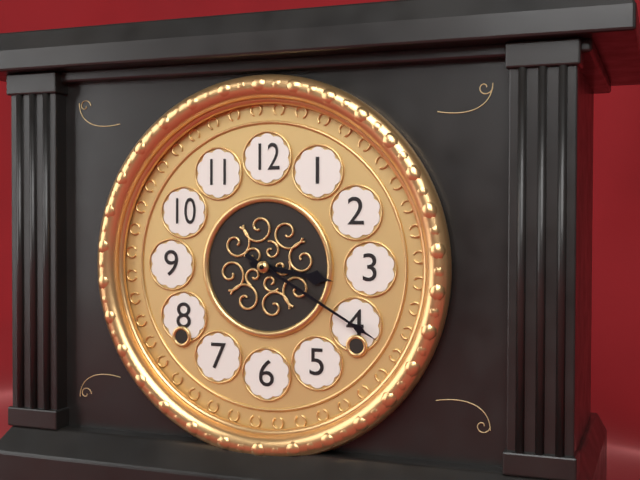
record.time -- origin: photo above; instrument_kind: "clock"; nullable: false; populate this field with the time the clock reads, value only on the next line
3:20
